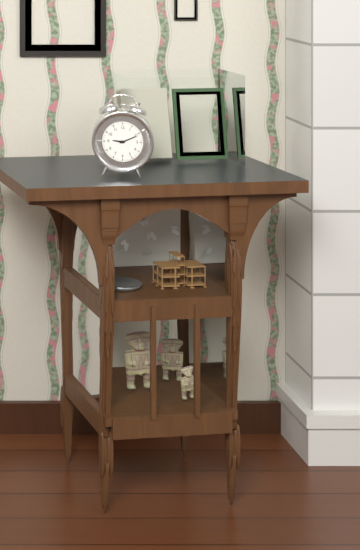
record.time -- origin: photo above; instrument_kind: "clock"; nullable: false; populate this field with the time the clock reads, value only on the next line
9:11
